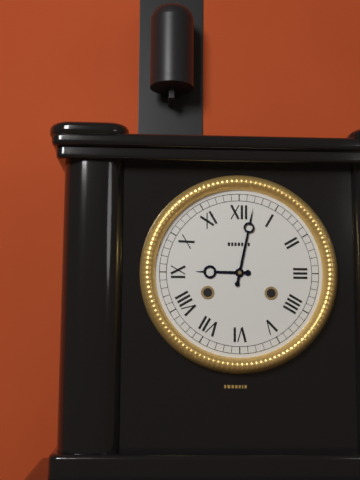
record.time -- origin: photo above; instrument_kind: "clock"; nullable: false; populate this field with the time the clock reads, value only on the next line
9:02
